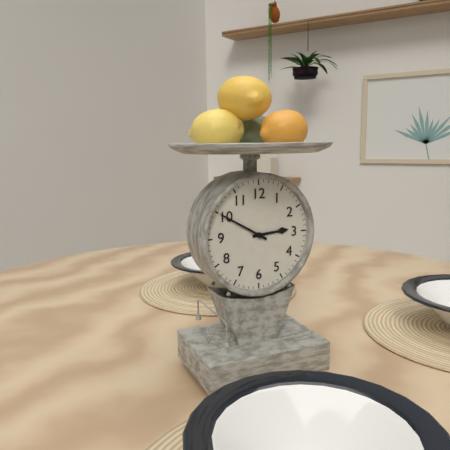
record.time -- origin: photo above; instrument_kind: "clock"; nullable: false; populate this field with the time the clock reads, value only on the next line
2:50
